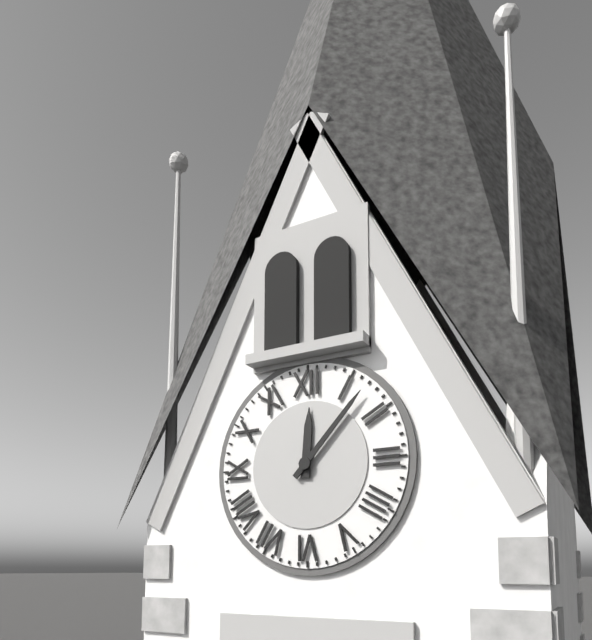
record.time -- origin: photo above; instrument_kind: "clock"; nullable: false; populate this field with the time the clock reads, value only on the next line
12:07
